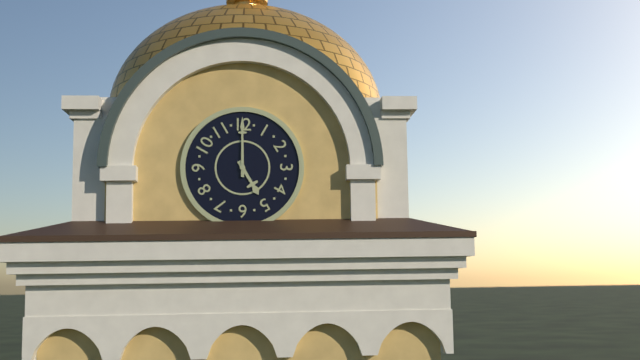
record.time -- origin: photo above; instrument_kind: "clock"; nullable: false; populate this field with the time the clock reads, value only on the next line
5:00
